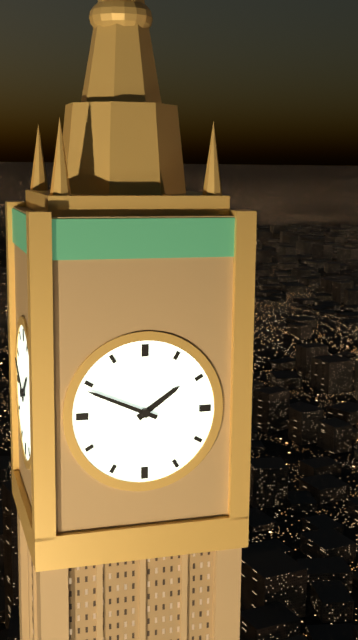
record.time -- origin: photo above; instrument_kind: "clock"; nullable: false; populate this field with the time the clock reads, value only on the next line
1:49
